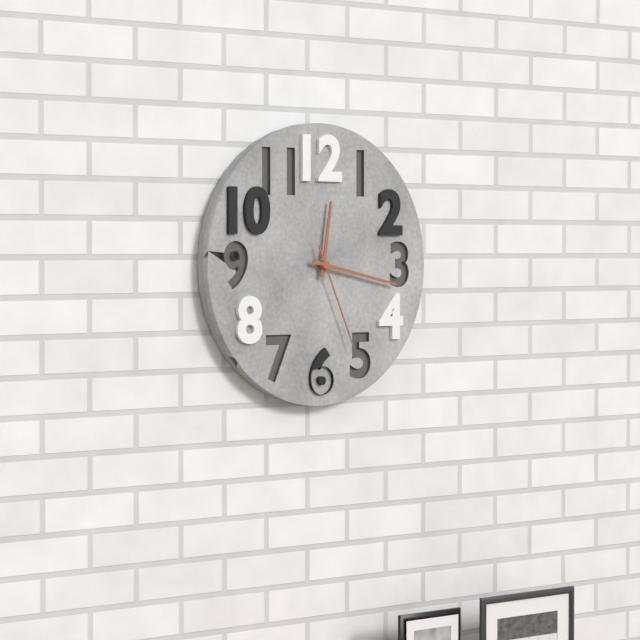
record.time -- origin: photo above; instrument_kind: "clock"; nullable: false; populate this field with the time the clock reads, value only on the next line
12:17:26
